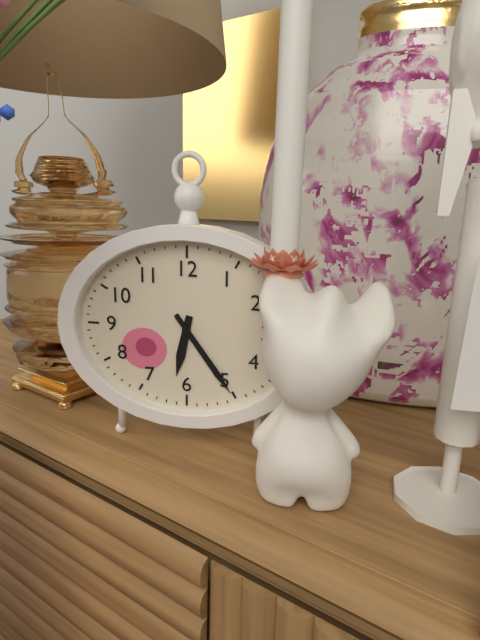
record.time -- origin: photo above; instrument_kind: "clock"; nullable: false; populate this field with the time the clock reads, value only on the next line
6:24
